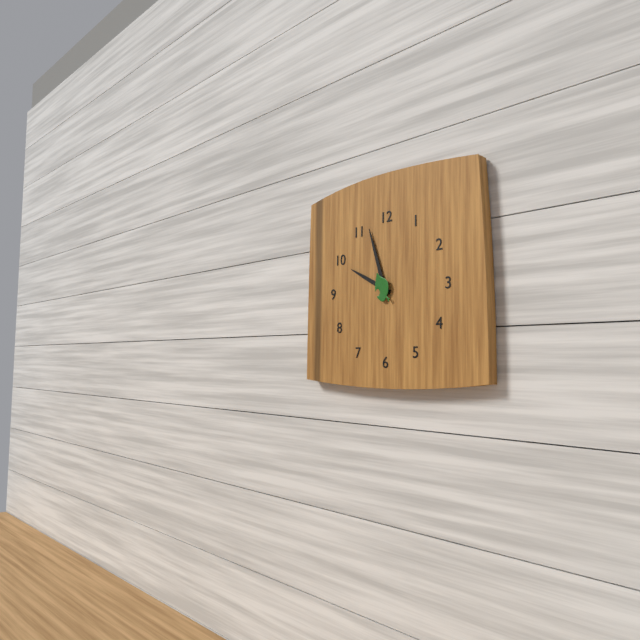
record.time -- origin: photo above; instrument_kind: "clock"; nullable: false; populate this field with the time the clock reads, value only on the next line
9:57
